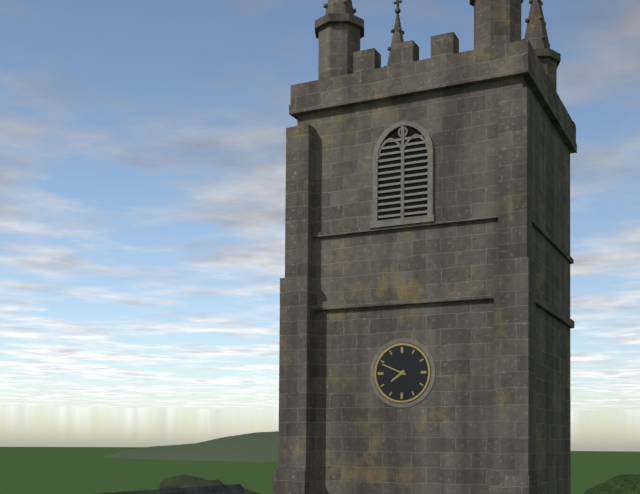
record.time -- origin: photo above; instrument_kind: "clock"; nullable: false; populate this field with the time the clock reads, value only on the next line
7:49
